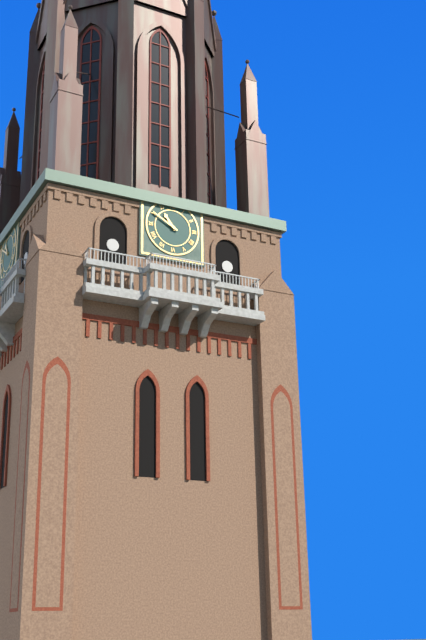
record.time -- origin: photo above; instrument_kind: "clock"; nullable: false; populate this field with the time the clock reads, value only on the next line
10:50
